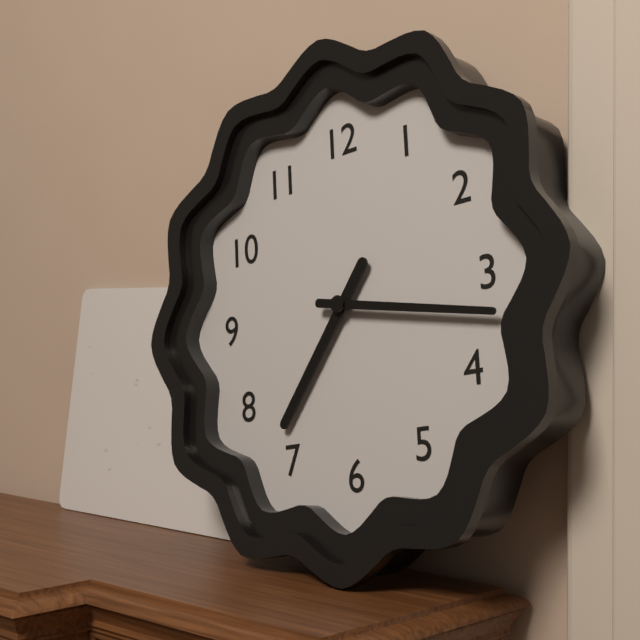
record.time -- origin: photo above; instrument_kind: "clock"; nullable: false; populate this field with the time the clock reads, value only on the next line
7:17
